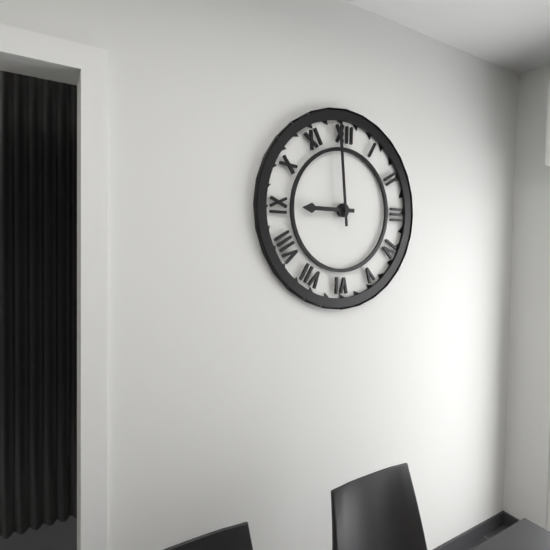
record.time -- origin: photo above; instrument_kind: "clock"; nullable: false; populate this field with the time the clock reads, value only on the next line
8:59
